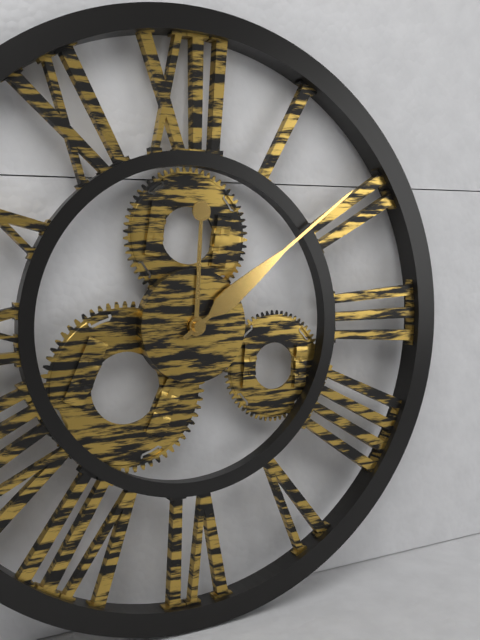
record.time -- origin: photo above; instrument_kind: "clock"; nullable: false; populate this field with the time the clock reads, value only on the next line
12:09
